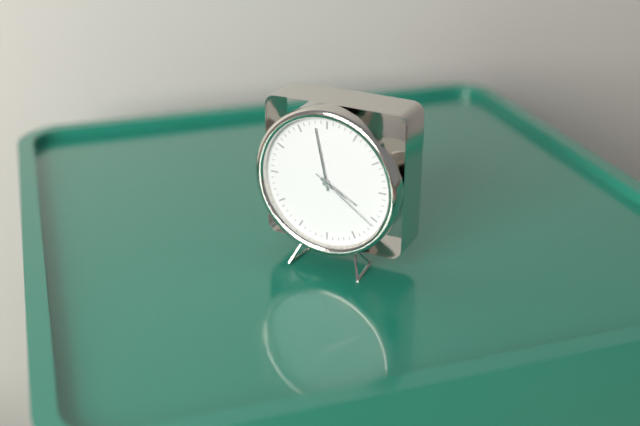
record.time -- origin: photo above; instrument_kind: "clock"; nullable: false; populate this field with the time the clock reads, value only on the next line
3:58:21
